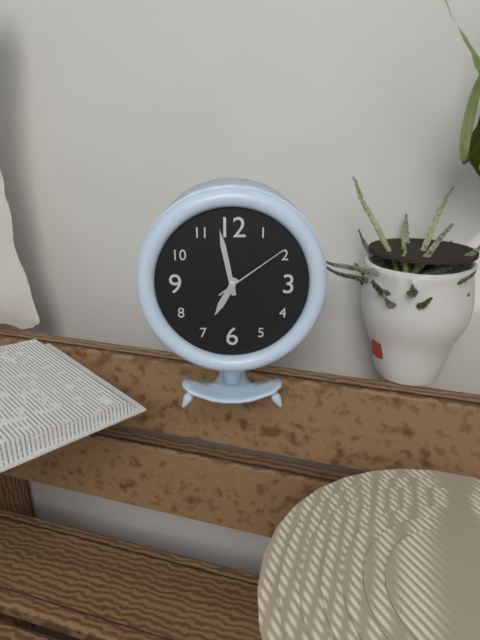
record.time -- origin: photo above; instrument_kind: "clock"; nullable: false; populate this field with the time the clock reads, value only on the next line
6:58:09
